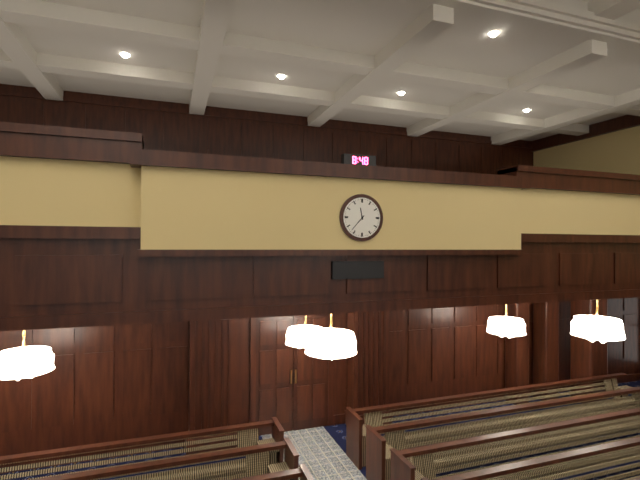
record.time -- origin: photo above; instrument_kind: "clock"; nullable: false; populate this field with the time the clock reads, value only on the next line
11:37
